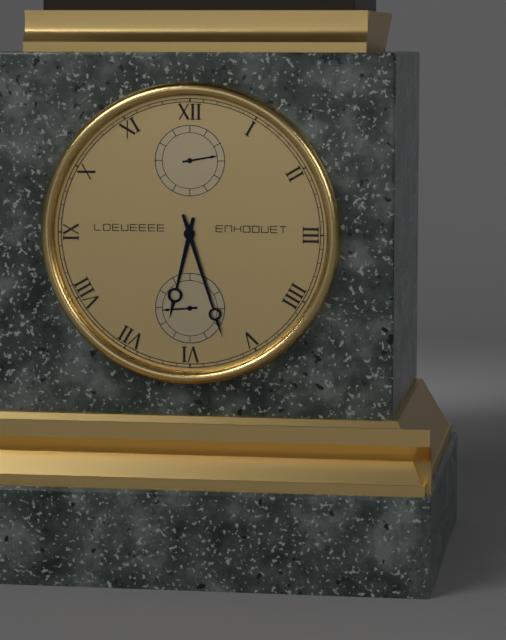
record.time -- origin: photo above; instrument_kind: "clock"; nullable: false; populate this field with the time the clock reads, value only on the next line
6:27
